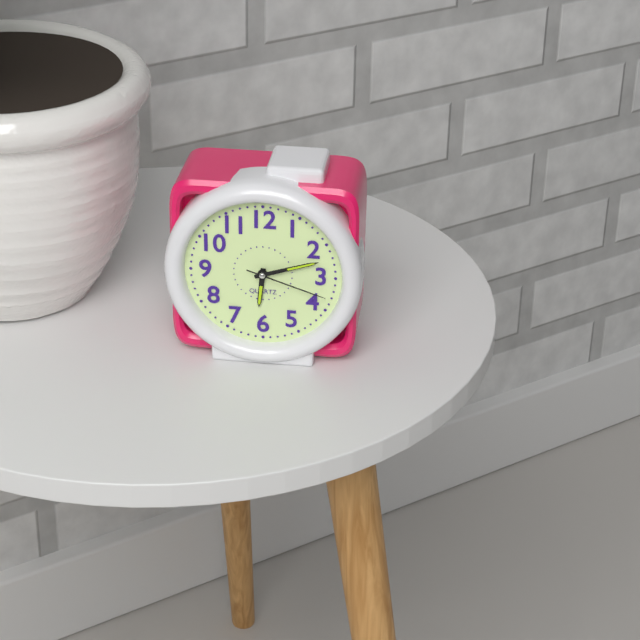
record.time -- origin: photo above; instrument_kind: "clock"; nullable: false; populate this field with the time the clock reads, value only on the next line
6:12:18
